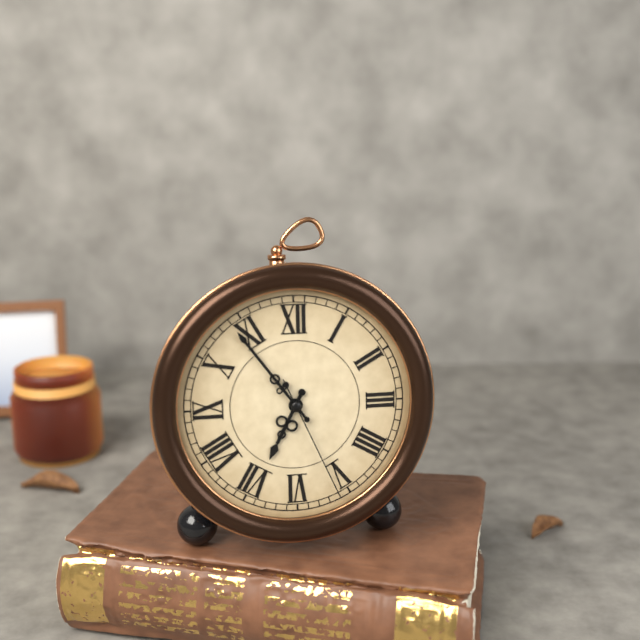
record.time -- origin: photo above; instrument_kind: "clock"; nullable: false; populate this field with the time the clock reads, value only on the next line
6:54:26
